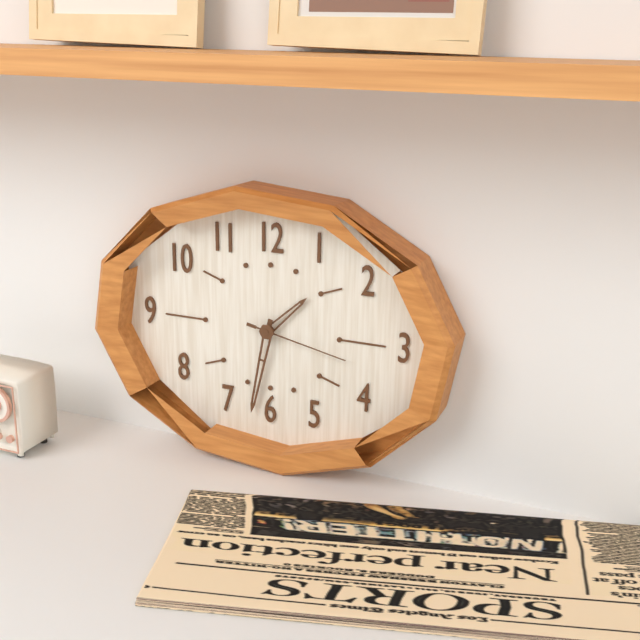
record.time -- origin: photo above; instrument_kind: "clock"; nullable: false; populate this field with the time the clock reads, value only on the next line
1:32:17
